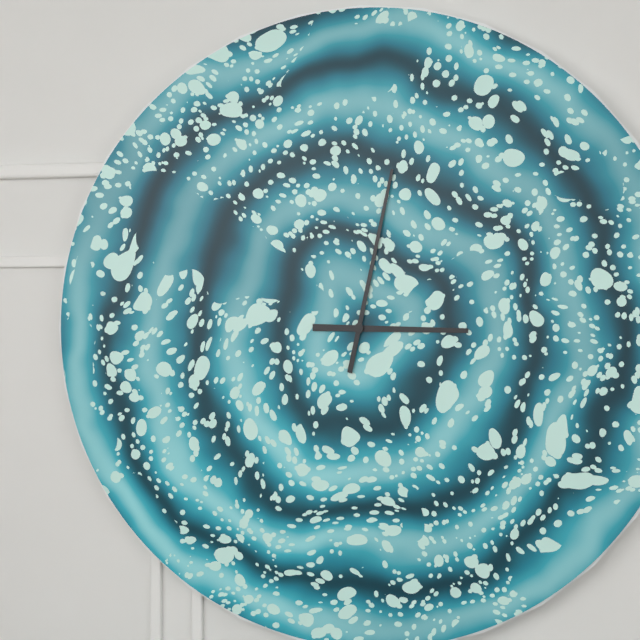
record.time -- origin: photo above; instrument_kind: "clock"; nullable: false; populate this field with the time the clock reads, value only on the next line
3:02
